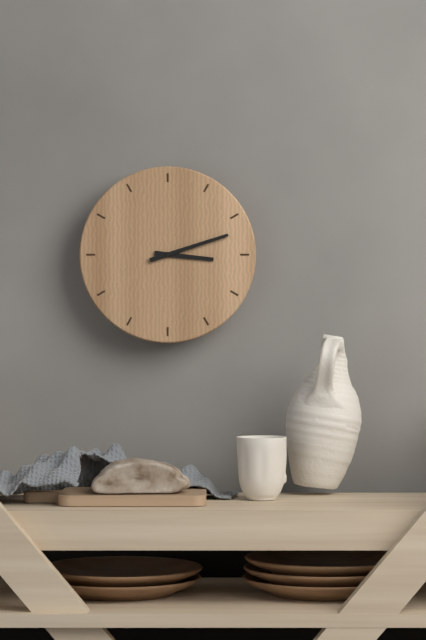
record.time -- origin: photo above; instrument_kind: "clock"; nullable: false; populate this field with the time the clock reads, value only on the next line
3:12
